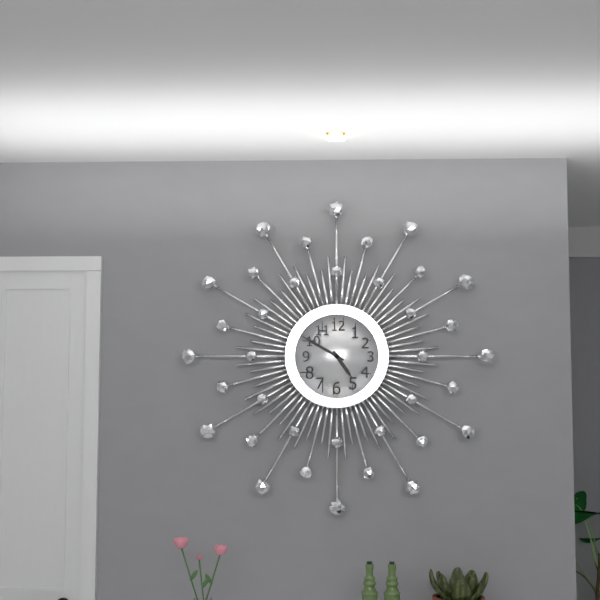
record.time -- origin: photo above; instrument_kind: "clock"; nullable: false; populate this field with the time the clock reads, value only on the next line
4:50
